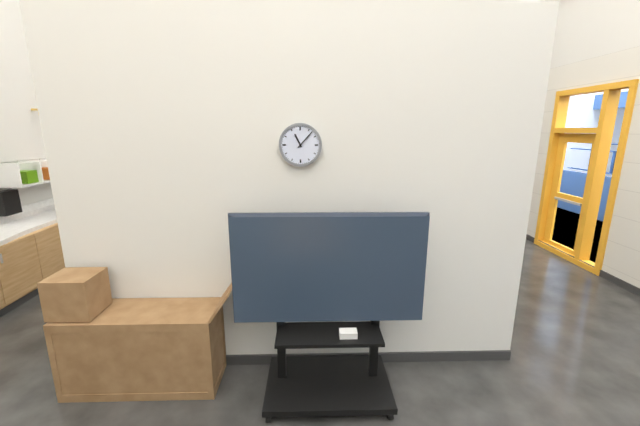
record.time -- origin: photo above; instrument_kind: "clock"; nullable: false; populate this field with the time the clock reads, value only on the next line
11:07
